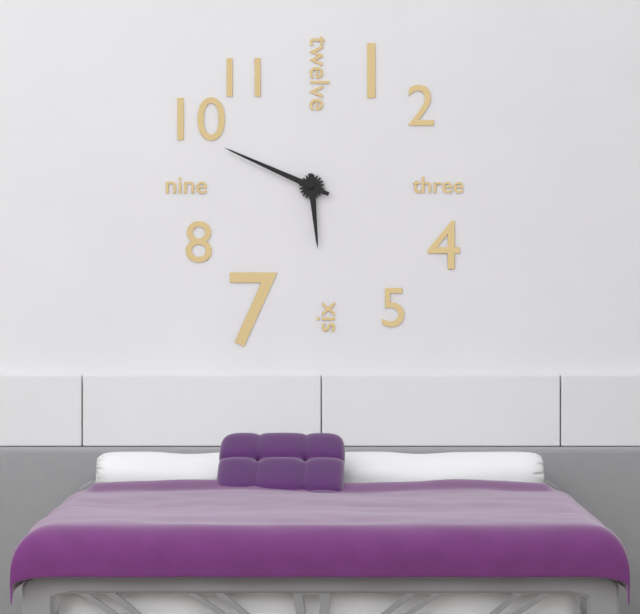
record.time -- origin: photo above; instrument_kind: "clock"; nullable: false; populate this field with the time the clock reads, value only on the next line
5:49
